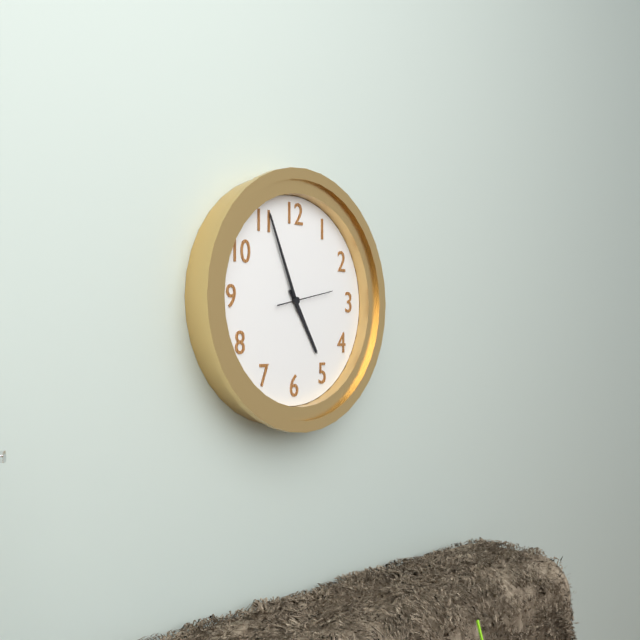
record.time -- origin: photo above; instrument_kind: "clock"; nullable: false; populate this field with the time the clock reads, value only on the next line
4:56
